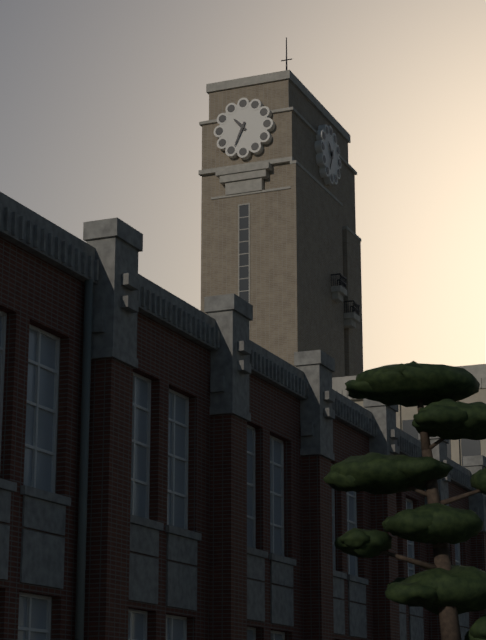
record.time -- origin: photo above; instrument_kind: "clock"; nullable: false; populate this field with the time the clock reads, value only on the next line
10:34
